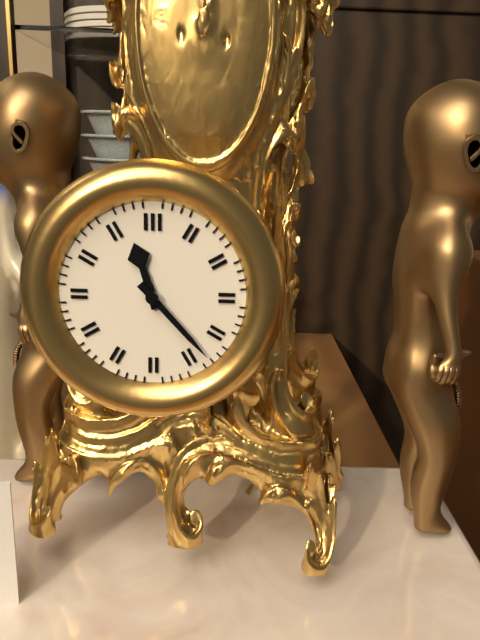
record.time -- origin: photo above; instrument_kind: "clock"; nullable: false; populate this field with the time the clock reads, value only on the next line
11:23
